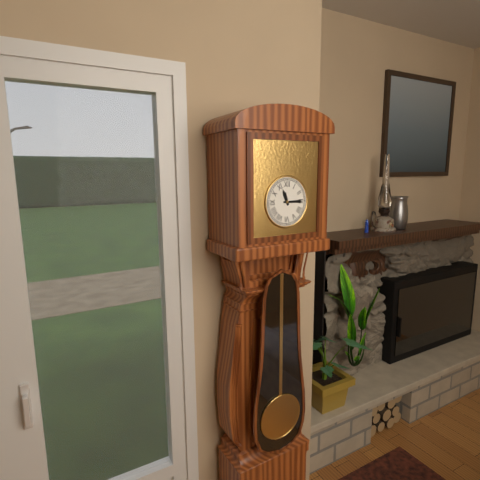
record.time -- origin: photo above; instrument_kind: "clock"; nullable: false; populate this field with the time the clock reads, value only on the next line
11:15
